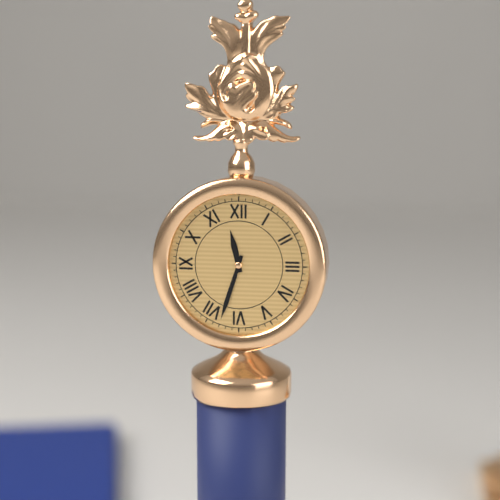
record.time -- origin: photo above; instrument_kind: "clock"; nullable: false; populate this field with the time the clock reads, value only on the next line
11:33
